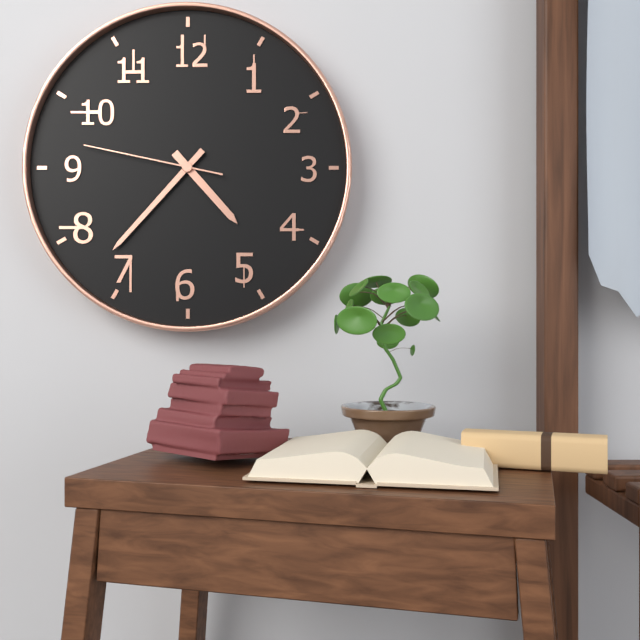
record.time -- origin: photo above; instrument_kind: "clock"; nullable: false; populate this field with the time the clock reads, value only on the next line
4:37:47
